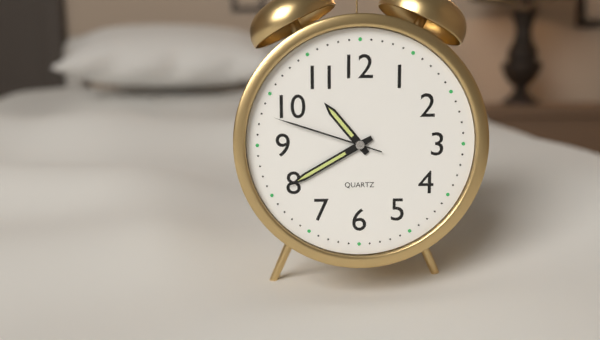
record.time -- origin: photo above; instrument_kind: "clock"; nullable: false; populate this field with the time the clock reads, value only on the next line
10:40:48
